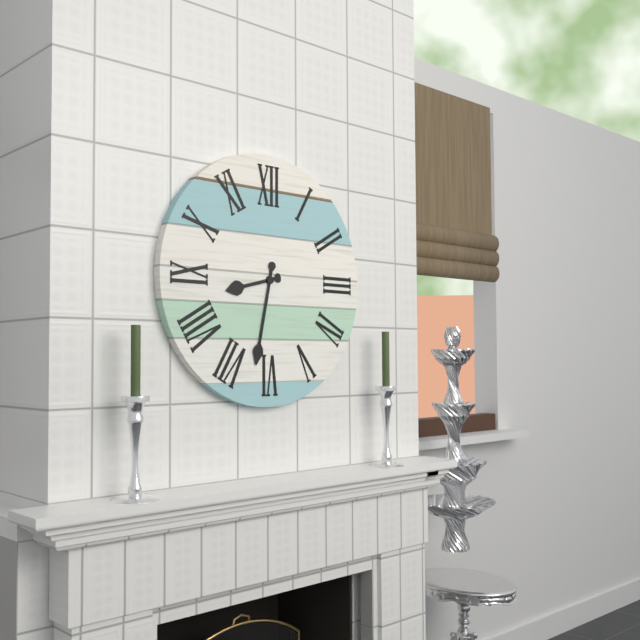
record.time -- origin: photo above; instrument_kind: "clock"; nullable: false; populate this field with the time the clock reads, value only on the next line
8:32
